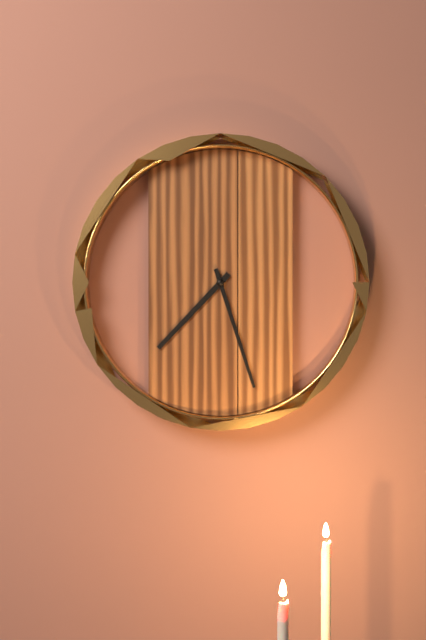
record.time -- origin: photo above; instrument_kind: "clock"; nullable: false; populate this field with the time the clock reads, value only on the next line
7:27
